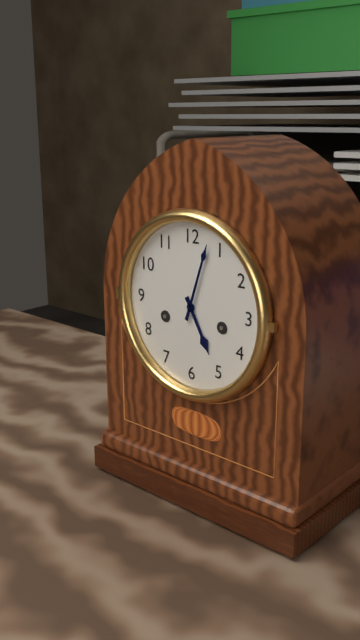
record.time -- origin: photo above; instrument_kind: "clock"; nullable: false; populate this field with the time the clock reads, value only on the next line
5:03
